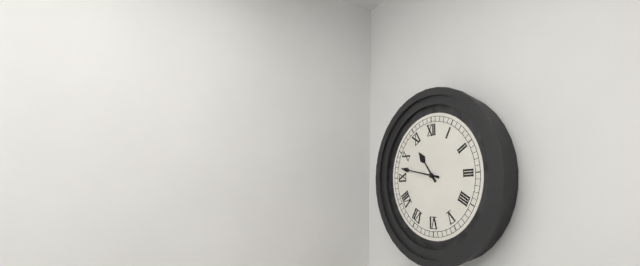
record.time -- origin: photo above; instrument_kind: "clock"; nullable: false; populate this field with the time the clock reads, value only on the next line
10:47
